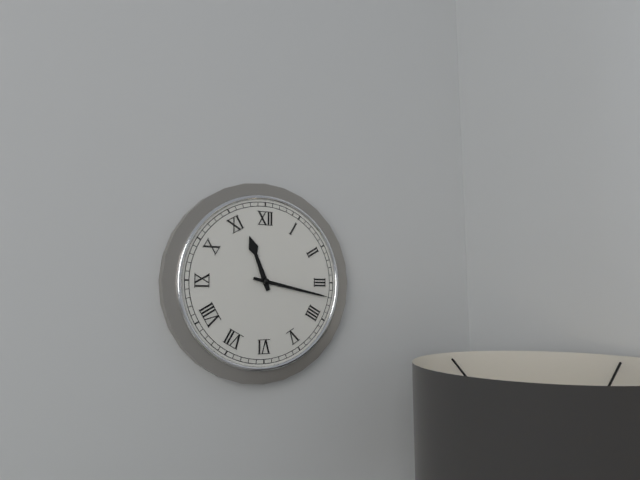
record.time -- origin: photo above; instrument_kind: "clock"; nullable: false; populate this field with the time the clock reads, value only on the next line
11:17
